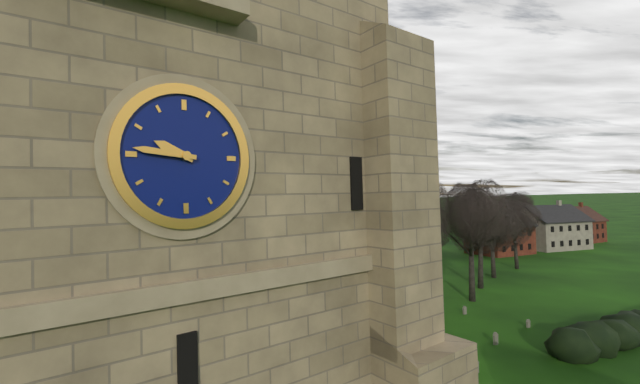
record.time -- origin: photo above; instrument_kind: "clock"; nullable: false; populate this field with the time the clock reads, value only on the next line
9:46
